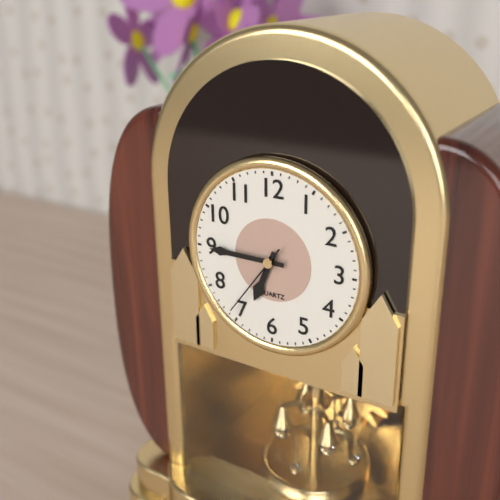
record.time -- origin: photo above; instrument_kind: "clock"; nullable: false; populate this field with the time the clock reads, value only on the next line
6:45:36
